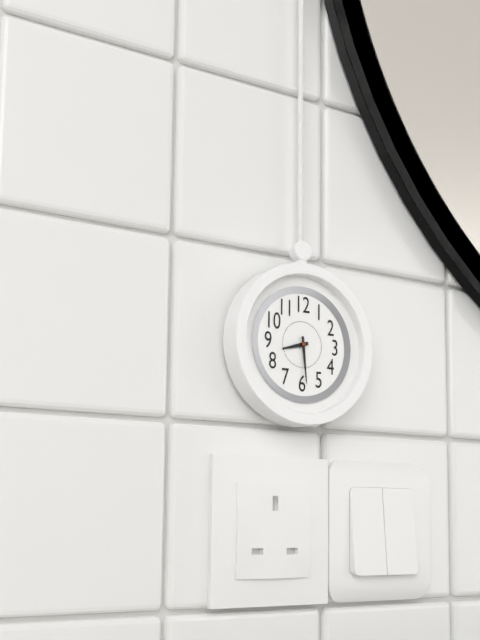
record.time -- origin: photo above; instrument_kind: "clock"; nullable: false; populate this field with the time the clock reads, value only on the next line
8:29
